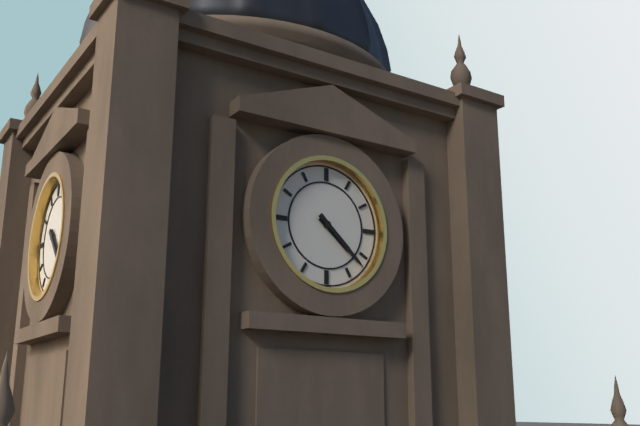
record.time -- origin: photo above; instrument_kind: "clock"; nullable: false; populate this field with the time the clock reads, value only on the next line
4:22
